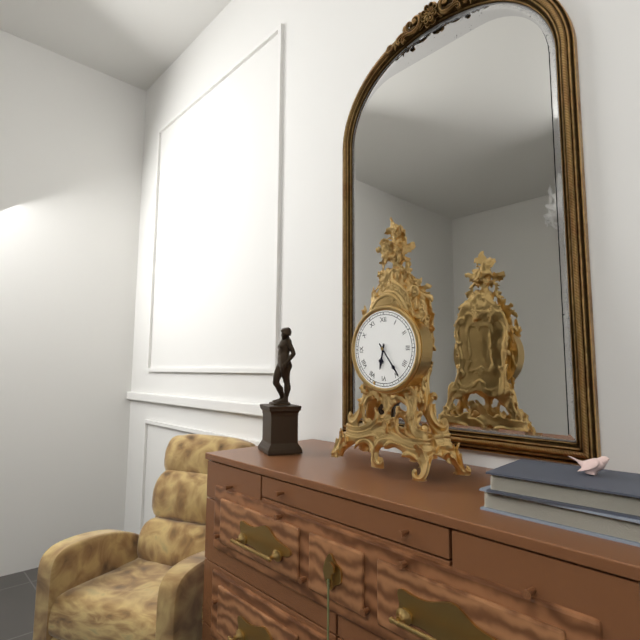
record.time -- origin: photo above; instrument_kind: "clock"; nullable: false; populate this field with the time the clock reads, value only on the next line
6:24
